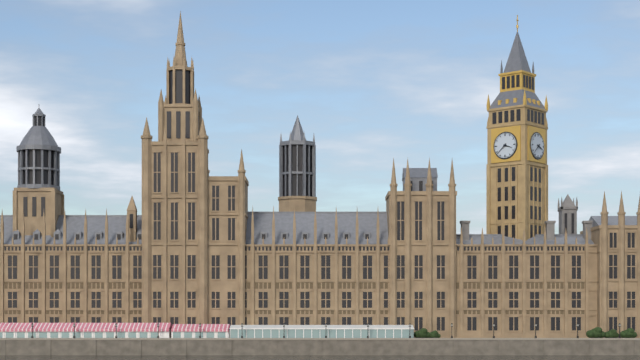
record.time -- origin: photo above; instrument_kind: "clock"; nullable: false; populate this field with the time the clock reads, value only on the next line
3:38
